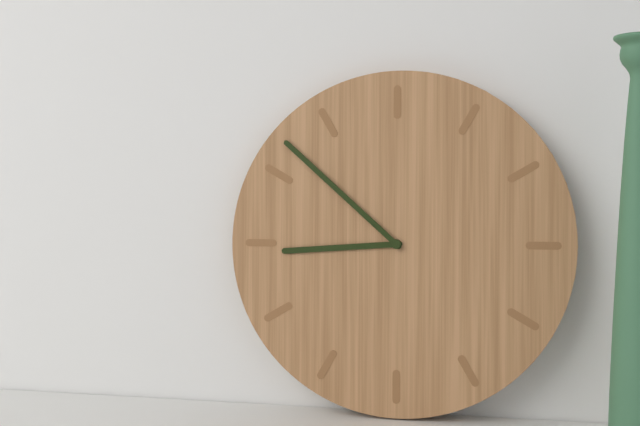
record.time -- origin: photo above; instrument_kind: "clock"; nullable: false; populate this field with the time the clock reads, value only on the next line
8:52
